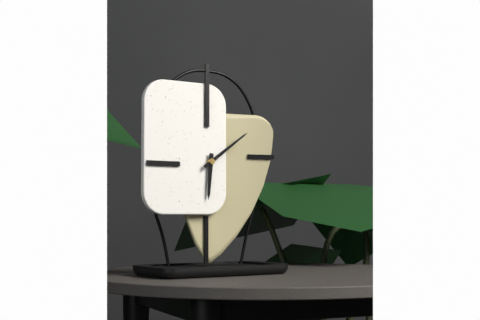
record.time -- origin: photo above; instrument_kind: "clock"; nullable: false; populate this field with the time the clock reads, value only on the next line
6:09
